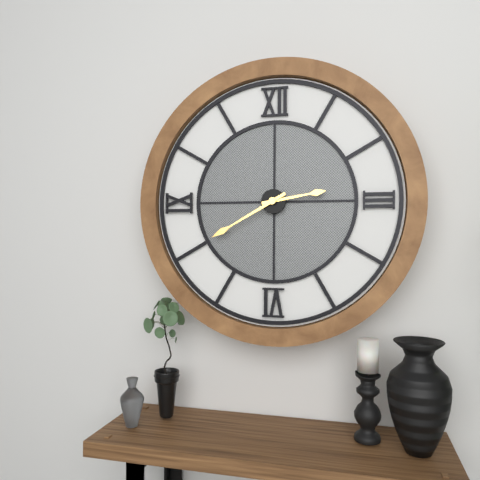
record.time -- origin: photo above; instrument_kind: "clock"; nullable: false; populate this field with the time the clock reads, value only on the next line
2:40
